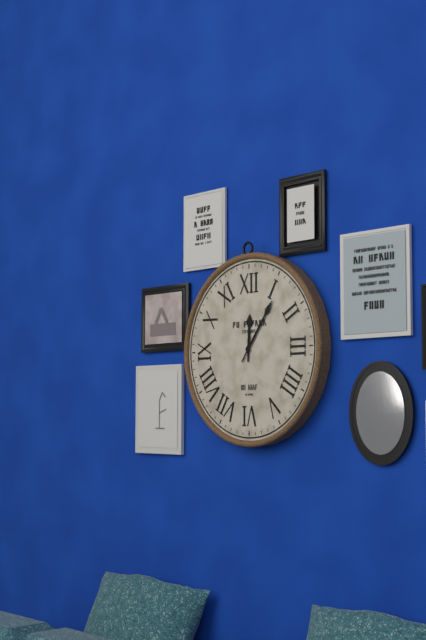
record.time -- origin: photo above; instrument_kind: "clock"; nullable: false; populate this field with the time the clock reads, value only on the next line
12:06
